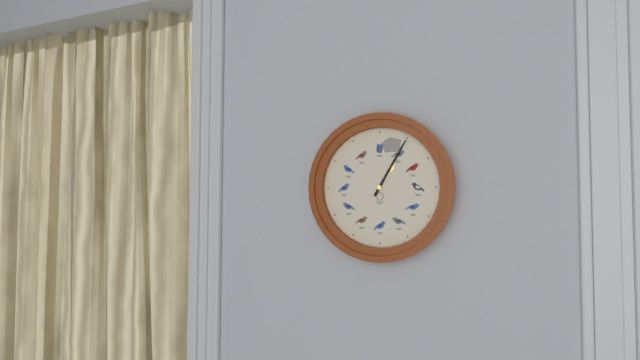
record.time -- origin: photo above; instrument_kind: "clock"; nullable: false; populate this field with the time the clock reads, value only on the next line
1:05
